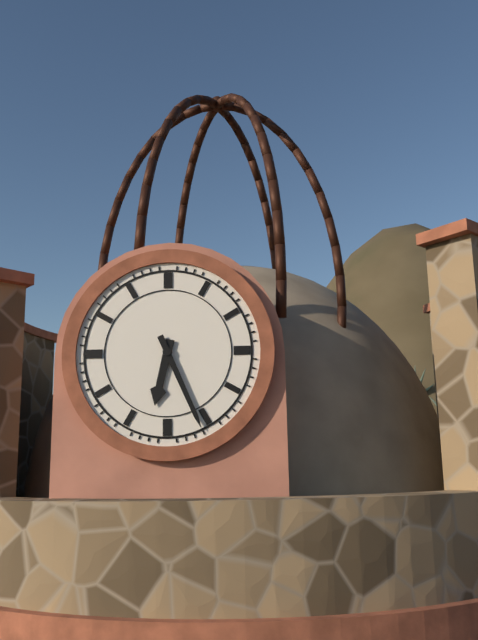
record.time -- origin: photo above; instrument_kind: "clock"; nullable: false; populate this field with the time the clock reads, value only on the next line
6:26
